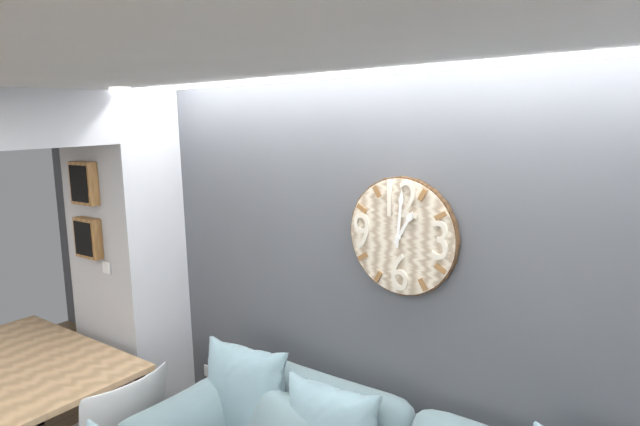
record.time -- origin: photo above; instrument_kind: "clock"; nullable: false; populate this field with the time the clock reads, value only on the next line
1:01
